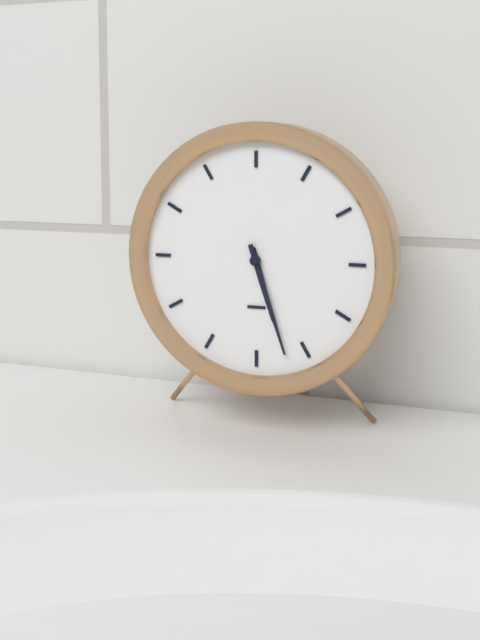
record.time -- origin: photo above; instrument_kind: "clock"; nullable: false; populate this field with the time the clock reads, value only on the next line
5:27
